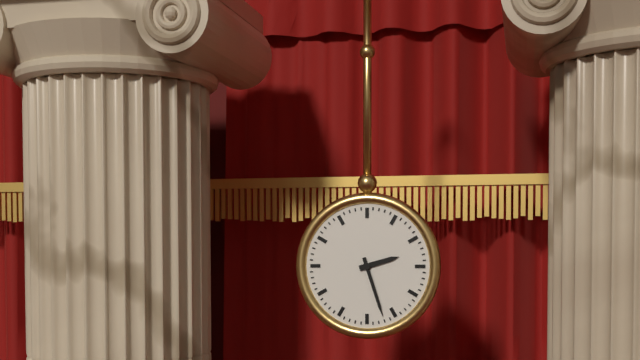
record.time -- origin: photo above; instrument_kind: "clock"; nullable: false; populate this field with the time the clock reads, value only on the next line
2:27
